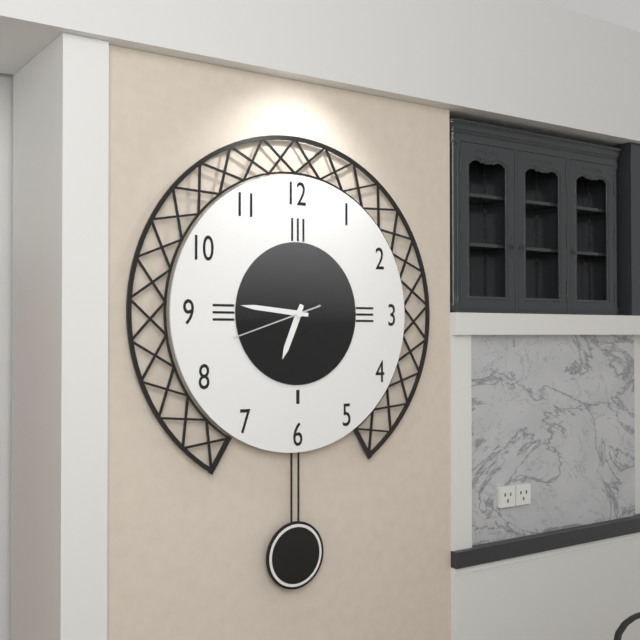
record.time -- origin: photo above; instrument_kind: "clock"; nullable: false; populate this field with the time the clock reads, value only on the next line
6:46:42
